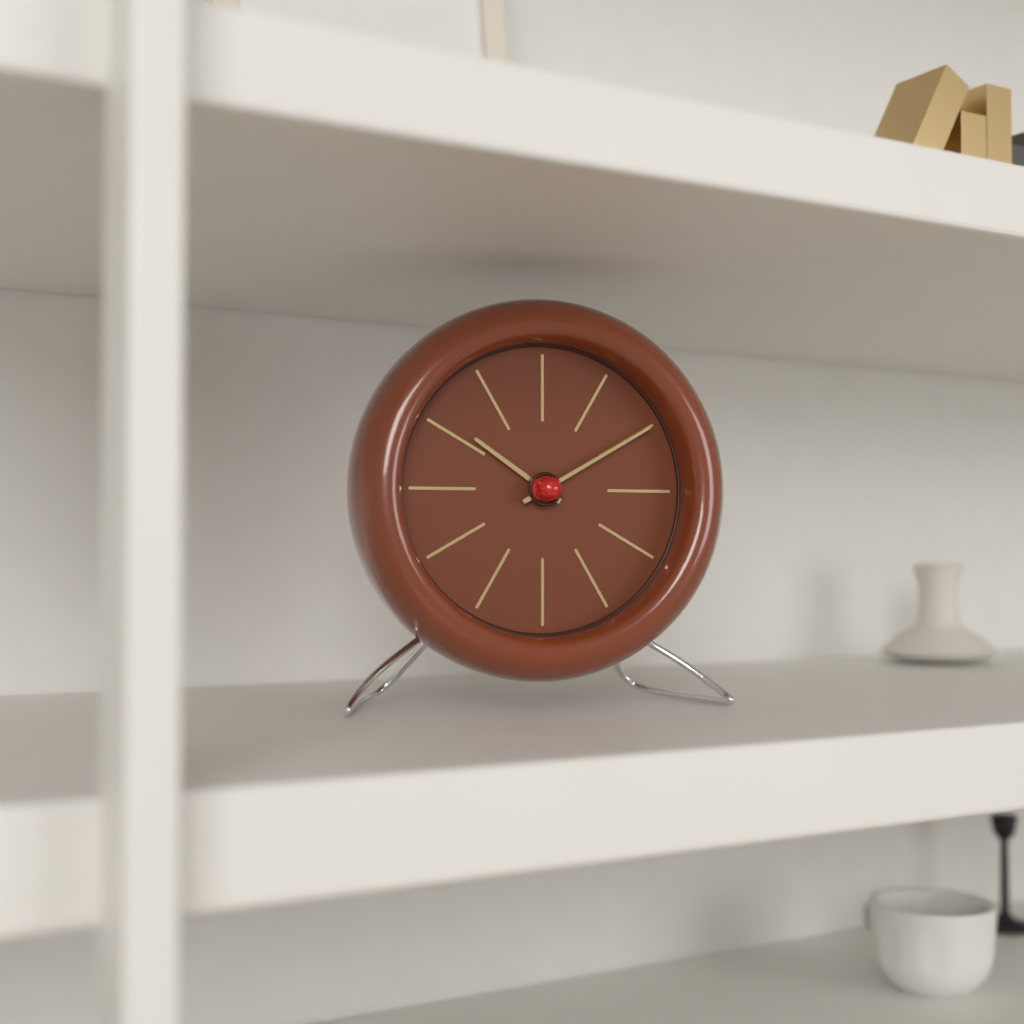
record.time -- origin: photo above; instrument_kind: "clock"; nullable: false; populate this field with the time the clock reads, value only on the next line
10:10
